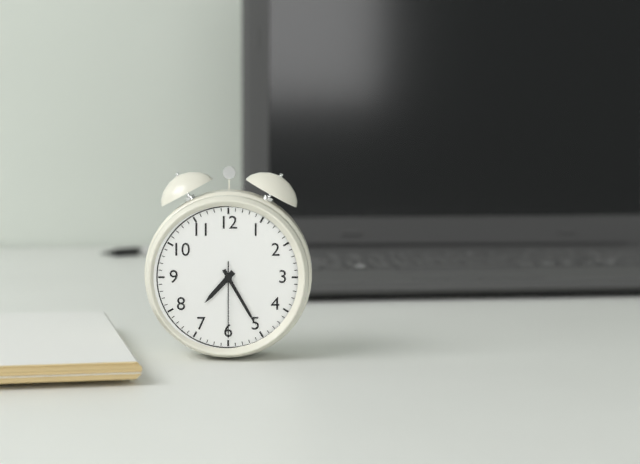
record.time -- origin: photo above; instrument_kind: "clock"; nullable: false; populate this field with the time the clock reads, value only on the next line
7:25:30
